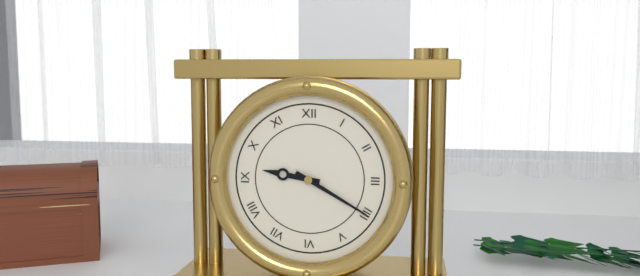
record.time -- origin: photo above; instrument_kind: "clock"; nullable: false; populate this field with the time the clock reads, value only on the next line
9:20
